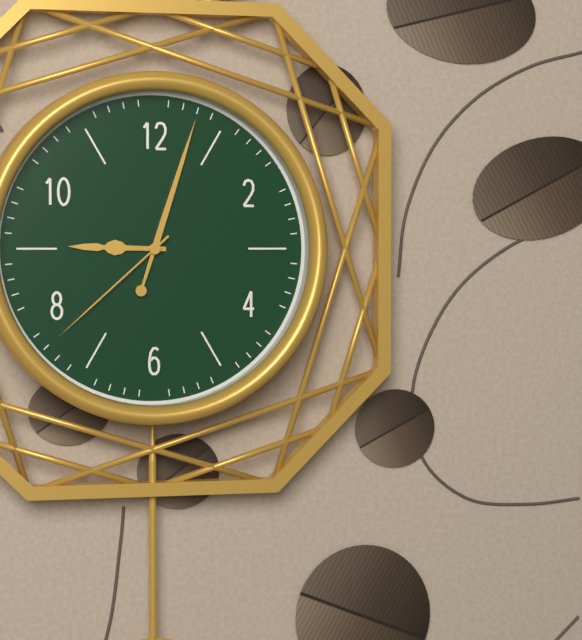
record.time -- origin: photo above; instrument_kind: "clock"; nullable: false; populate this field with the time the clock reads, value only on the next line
9:03:38
